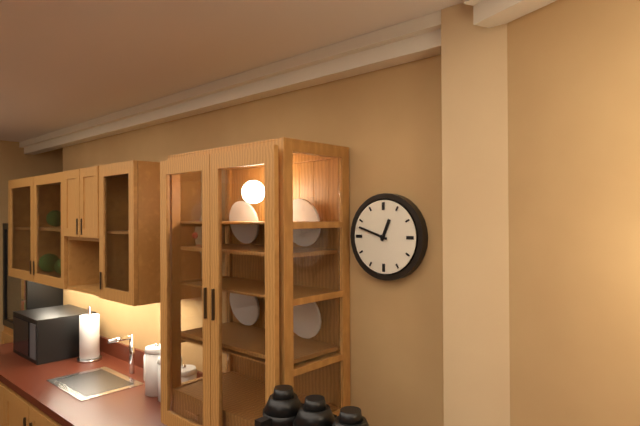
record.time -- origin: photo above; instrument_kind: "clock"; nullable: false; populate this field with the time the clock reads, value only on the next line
12:48
